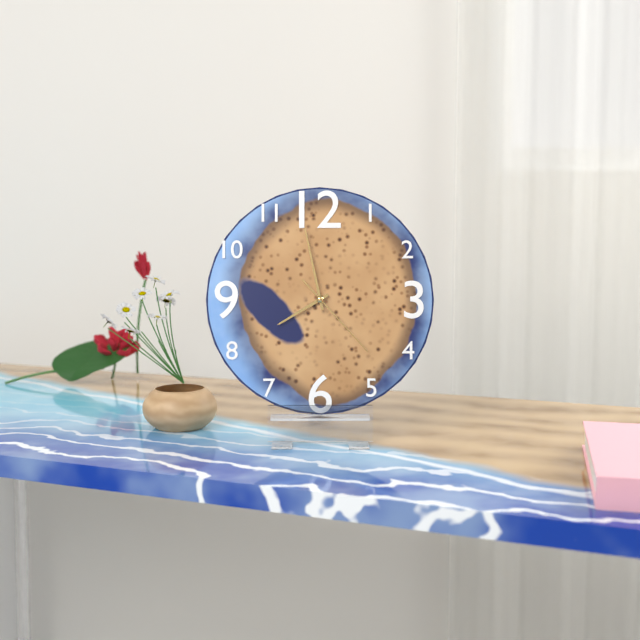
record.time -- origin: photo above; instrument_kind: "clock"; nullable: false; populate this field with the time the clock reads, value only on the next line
7:58:23
